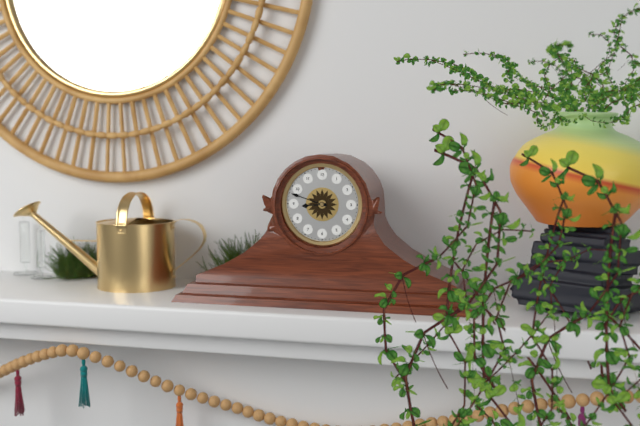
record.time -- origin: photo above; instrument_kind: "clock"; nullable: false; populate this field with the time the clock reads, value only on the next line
8:48
